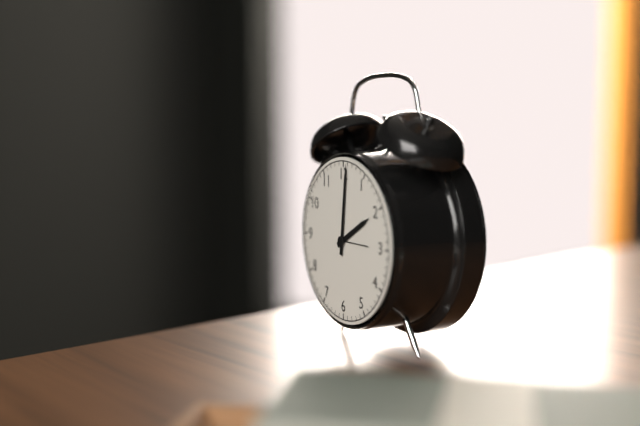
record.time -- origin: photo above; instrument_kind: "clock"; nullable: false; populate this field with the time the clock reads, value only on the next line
2:01
